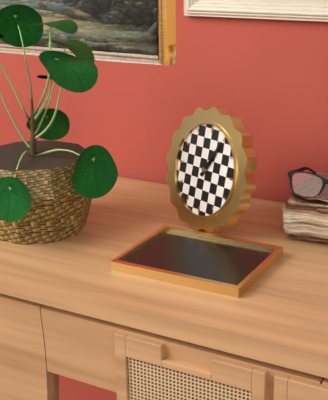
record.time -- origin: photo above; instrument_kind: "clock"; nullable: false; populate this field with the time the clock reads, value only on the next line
1:05
